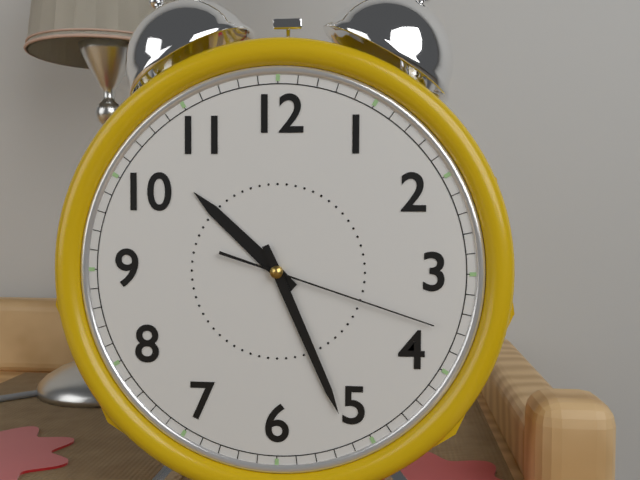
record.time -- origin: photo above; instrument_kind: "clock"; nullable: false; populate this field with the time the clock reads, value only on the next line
10:26:18
